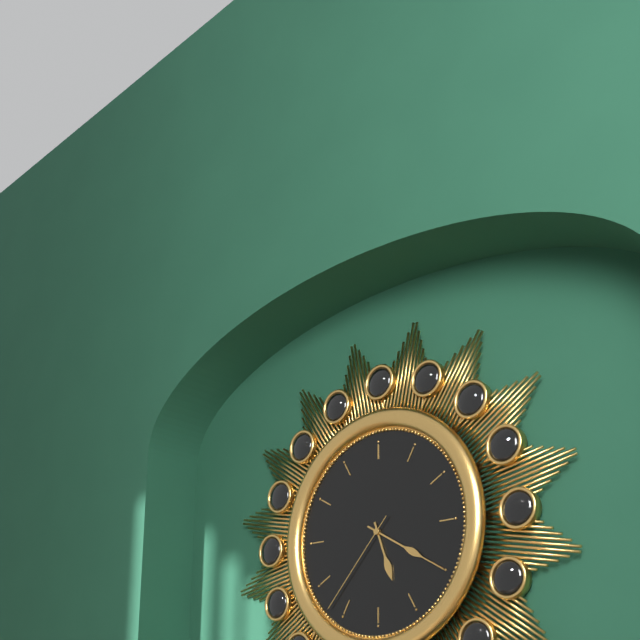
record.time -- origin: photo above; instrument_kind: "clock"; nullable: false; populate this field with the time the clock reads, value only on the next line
5:20:37
